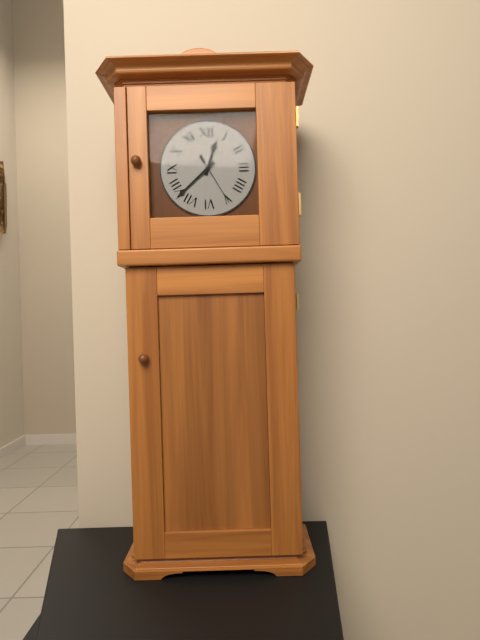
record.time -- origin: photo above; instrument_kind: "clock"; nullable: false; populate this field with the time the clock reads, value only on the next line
12:38:25
